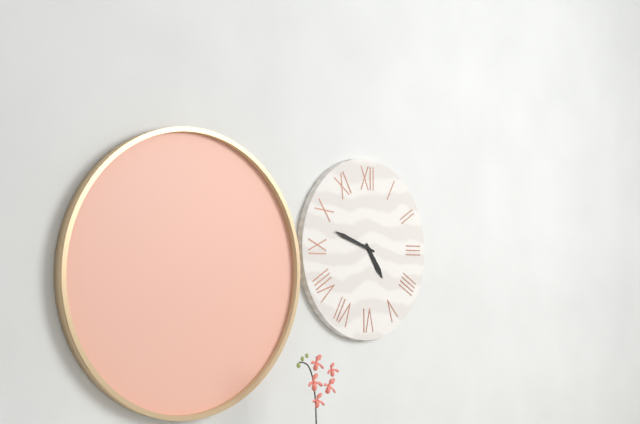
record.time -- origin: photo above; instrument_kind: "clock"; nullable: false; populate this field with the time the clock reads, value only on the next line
4:48
